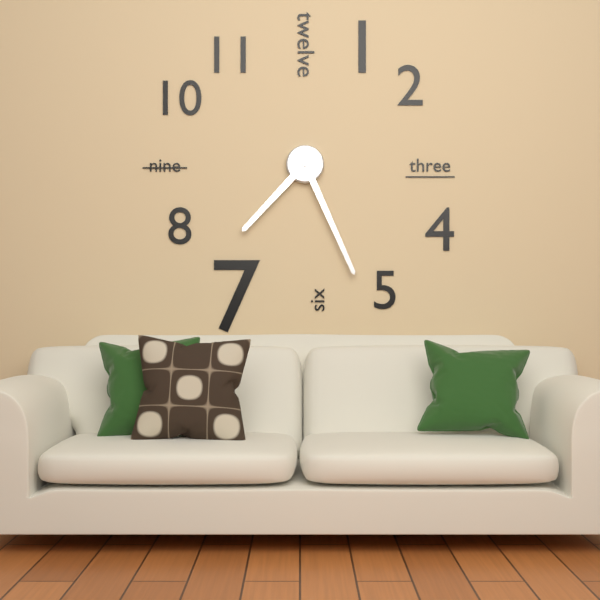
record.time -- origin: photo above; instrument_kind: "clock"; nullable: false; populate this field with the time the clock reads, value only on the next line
7:26
